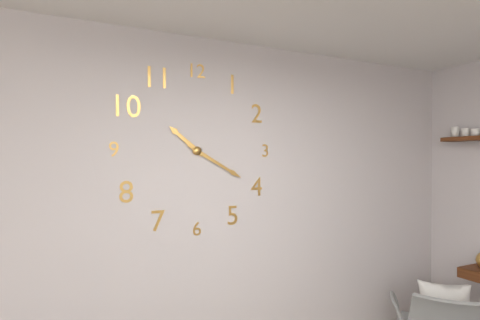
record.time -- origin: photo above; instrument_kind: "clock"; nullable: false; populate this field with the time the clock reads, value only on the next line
10:20
